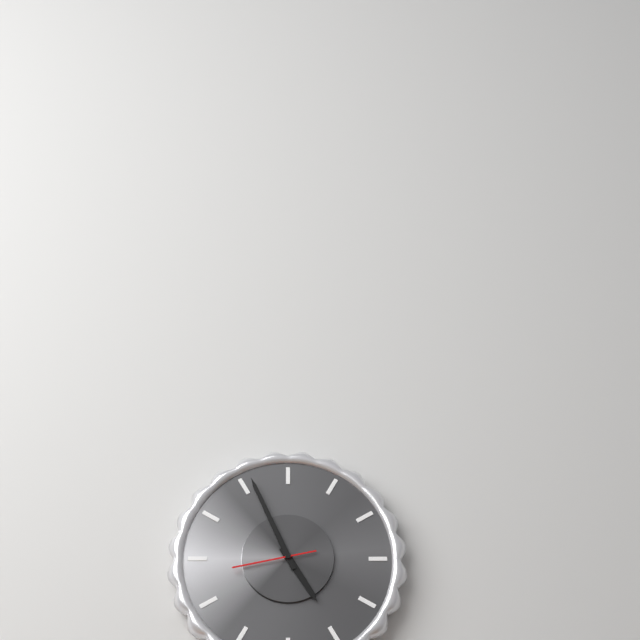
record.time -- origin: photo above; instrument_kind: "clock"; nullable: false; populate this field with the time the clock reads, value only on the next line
4:56:43
